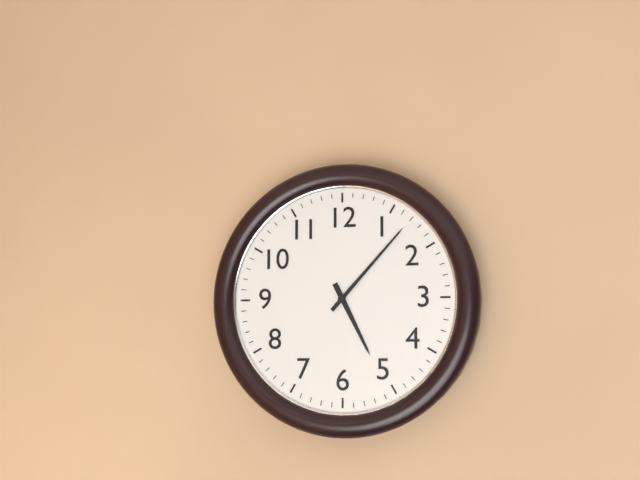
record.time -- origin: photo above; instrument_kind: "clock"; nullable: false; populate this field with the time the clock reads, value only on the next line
5:07
